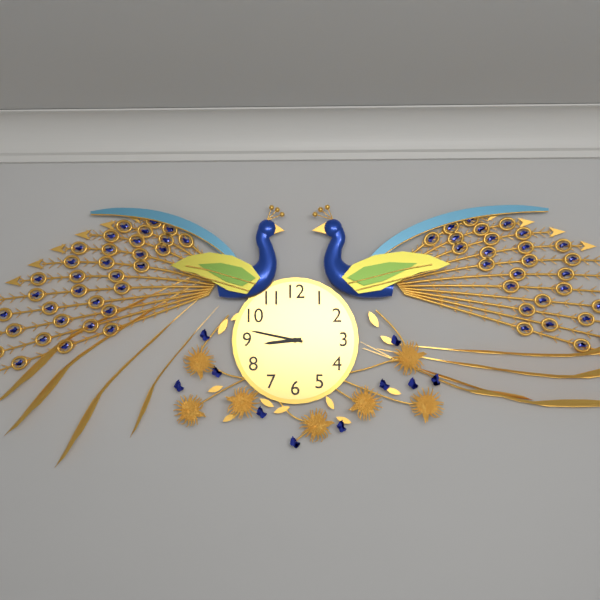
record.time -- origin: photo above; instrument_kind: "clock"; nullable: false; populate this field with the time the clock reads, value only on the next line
8:47
